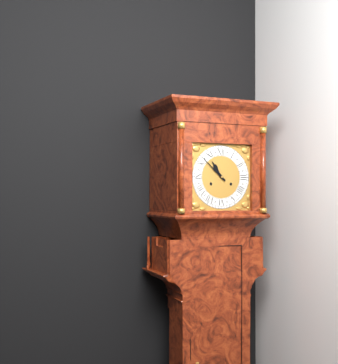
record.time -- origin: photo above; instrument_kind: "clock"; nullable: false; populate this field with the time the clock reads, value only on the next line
10:52
